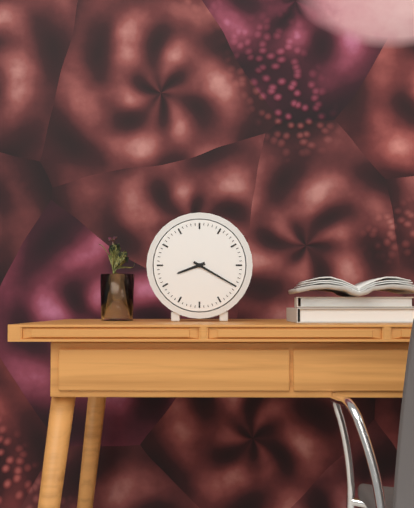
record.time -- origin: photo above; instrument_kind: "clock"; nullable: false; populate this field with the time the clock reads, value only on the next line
8:20
